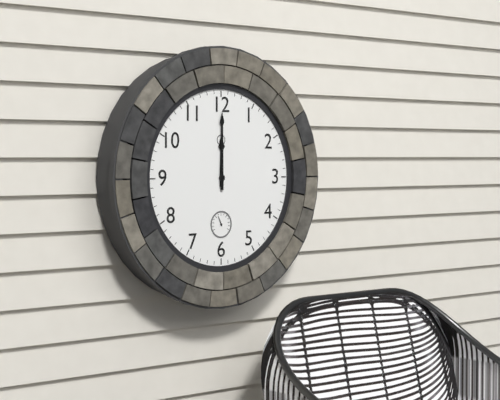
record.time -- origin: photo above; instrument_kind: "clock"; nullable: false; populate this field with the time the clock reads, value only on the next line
12:00
